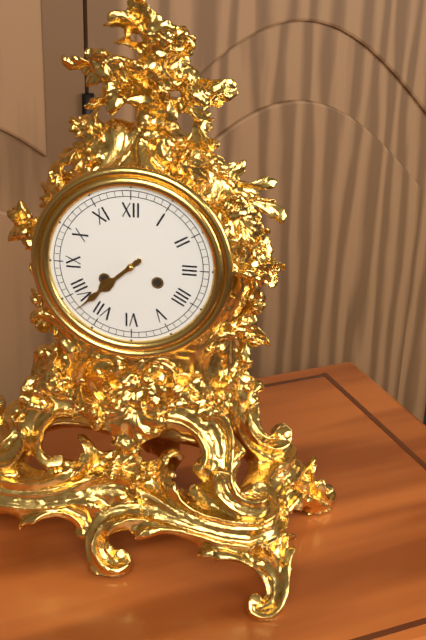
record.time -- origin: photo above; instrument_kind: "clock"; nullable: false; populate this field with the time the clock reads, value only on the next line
7:38
